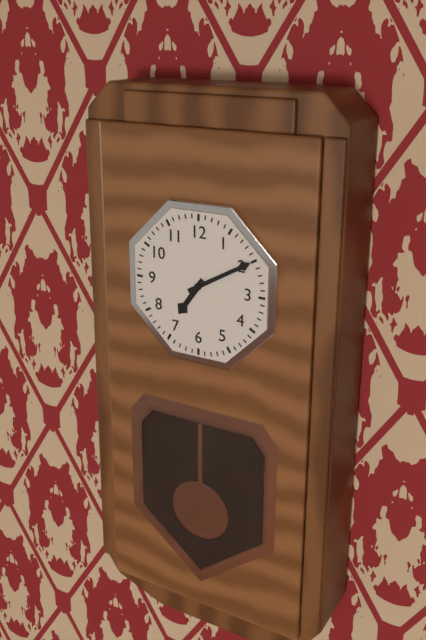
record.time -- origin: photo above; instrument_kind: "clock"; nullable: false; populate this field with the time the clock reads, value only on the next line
7:10
